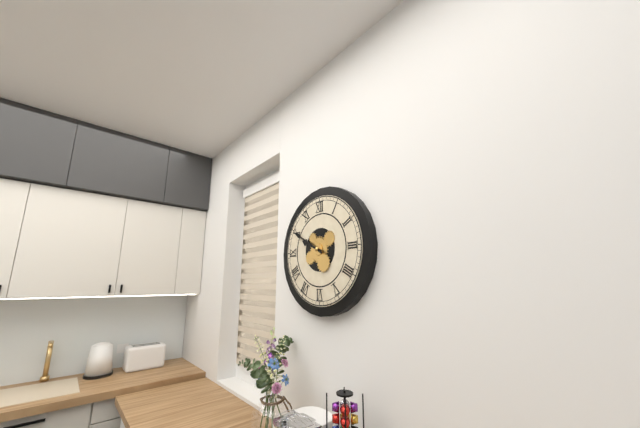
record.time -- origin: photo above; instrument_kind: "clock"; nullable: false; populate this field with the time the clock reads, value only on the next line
9:50
